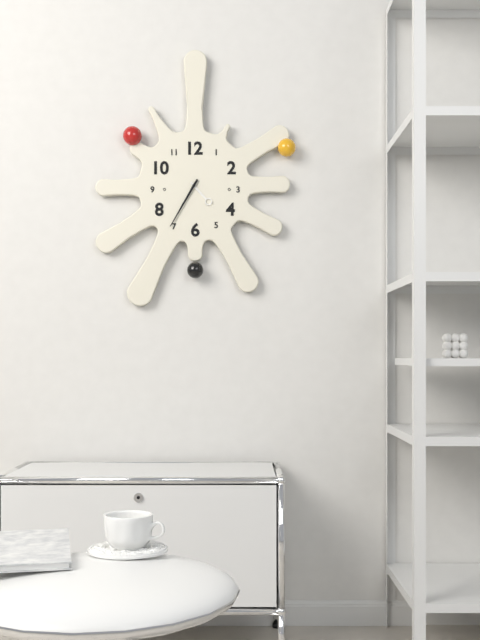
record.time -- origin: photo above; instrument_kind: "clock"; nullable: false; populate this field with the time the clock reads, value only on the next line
4:35
